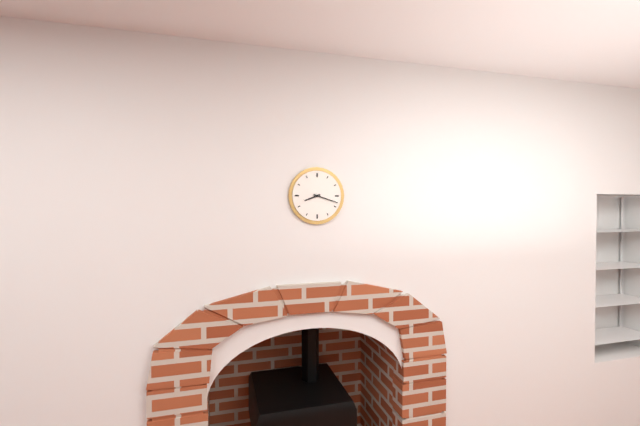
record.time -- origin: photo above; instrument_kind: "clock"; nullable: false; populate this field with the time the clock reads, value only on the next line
8:18
